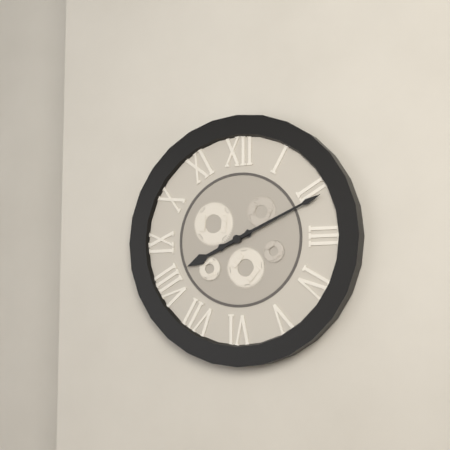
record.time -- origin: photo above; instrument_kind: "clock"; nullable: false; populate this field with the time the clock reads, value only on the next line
8:11
